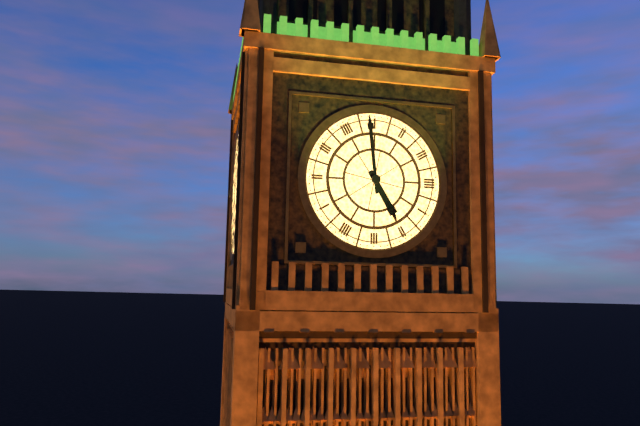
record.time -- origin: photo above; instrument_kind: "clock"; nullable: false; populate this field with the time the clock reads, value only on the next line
4:59
